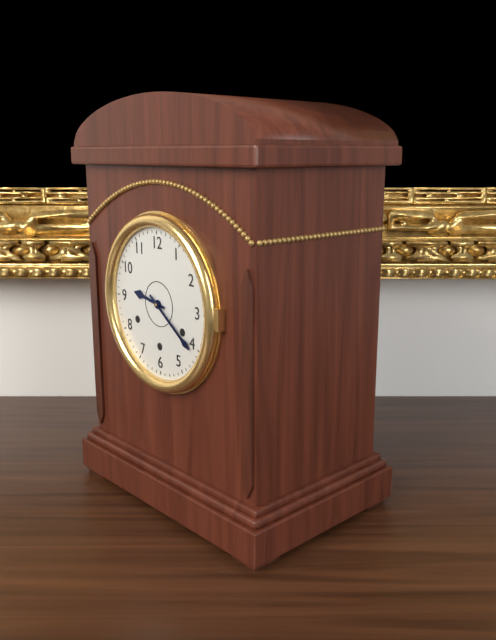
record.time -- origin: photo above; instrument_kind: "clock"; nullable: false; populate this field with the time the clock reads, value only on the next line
9:21
